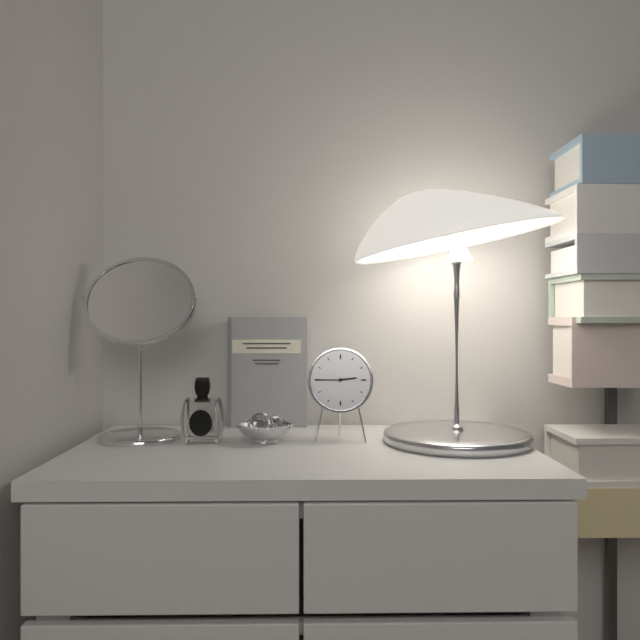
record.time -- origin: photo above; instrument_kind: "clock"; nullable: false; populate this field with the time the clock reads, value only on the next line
2:45
